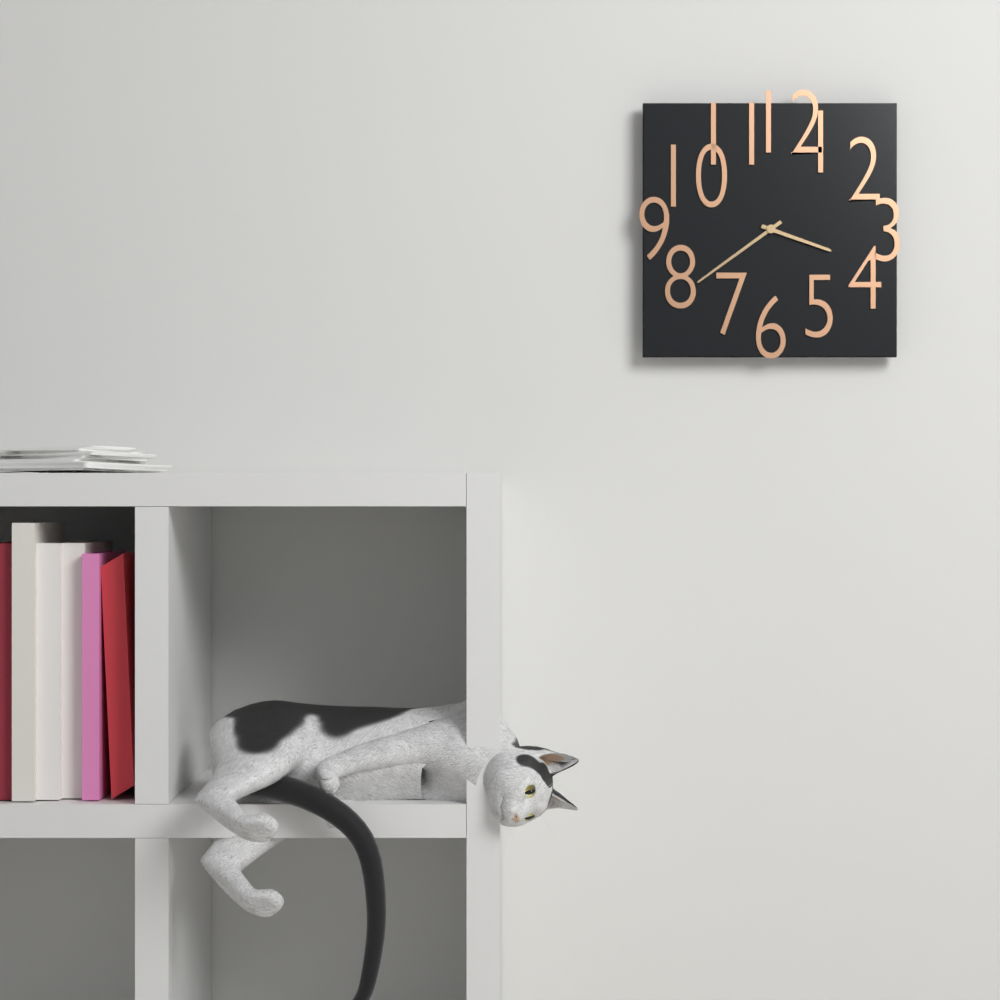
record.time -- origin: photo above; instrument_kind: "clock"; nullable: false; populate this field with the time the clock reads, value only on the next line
3:39
